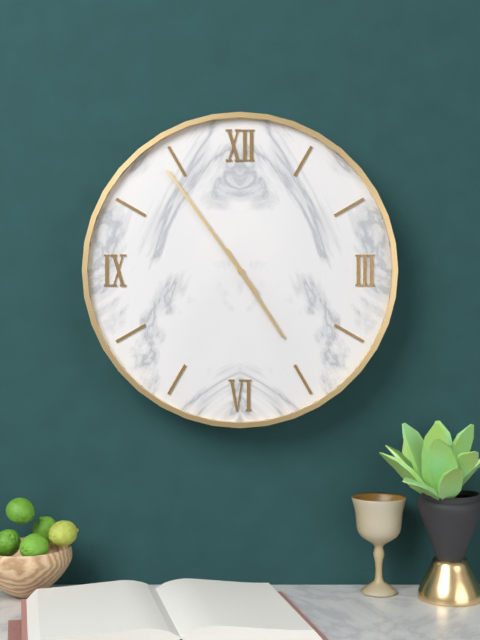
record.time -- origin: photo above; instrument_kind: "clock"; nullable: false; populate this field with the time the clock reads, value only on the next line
4:54
